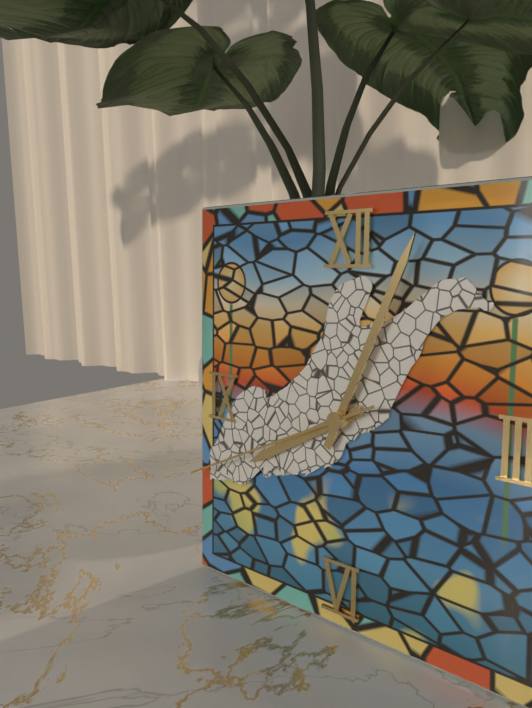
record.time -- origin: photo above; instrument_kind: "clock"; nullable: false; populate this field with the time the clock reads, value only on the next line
8:04:41
